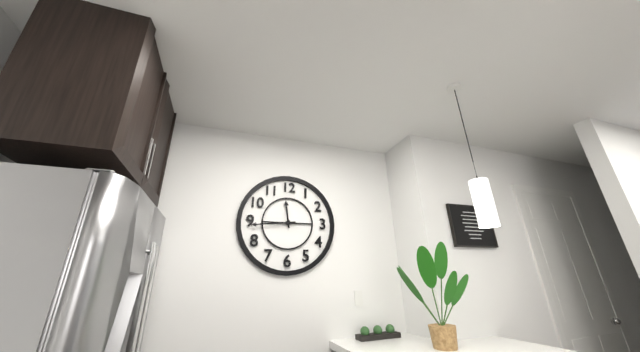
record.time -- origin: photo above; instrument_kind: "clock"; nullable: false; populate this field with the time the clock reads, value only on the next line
11:44
